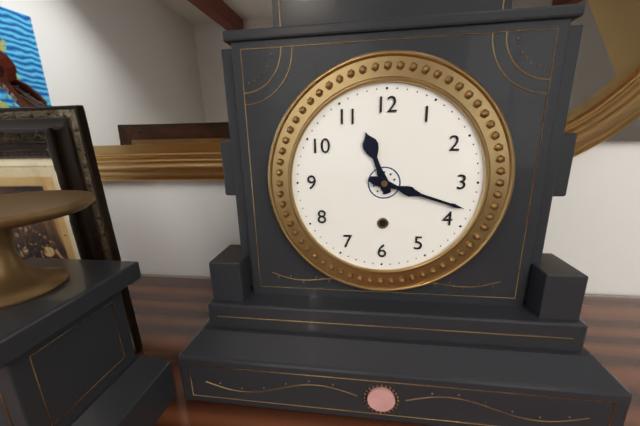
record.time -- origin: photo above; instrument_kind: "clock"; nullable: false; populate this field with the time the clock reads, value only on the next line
11:18
